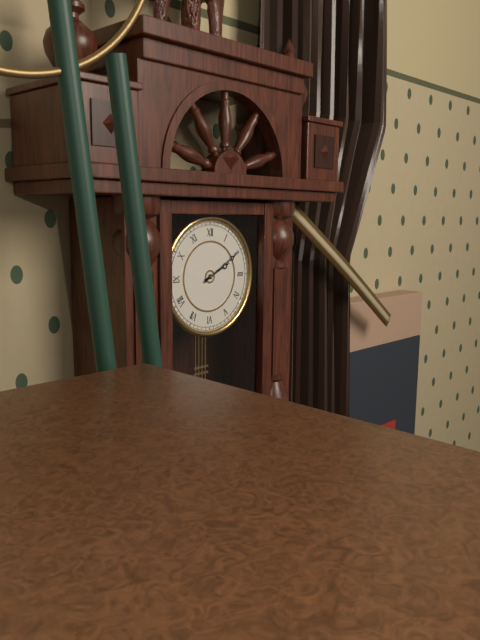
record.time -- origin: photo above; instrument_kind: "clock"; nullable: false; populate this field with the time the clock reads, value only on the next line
2:10
